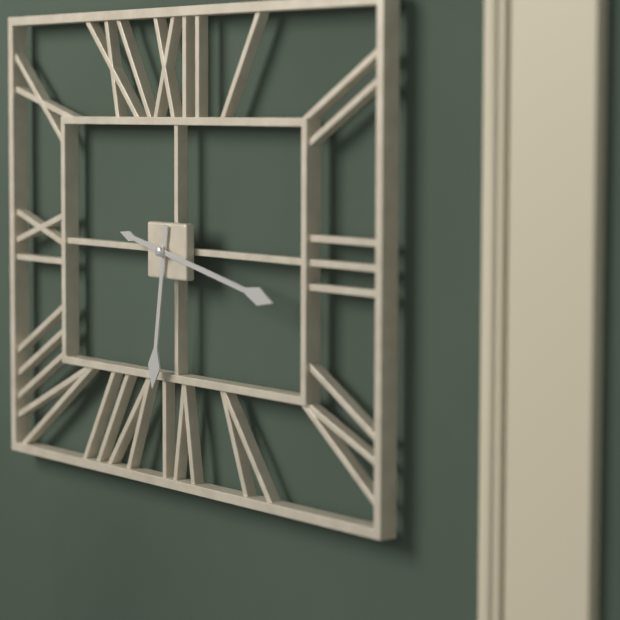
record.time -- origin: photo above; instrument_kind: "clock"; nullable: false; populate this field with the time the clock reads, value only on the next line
6:17
